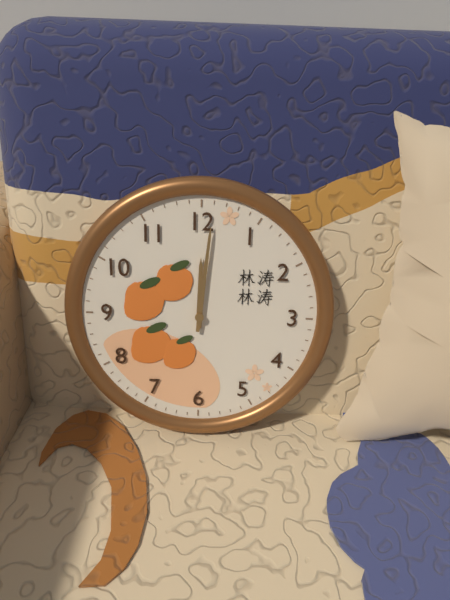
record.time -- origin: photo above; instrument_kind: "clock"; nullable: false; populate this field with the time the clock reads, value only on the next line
12:01
